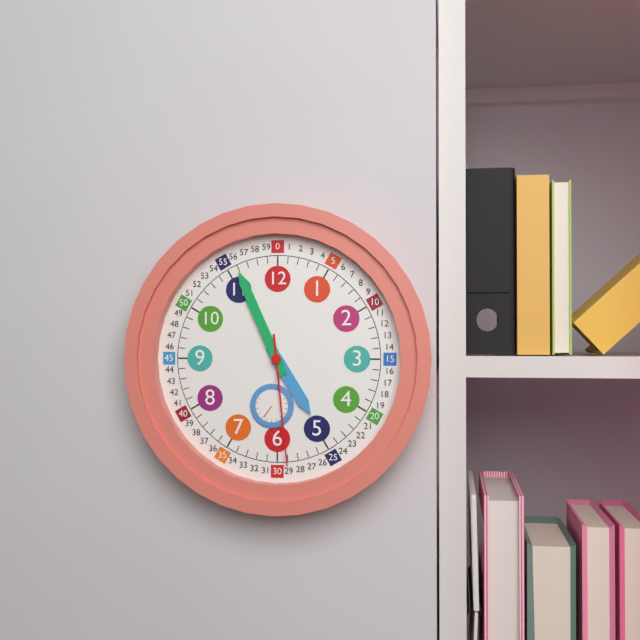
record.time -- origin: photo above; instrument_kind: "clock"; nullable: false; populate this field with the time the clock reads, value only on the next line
4:56:29
